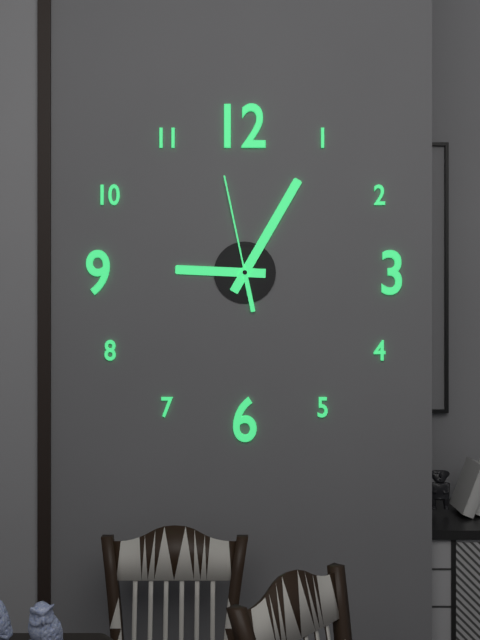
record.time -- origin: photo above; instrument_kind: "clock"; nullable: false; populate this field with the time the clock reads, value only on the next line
9:05:58
